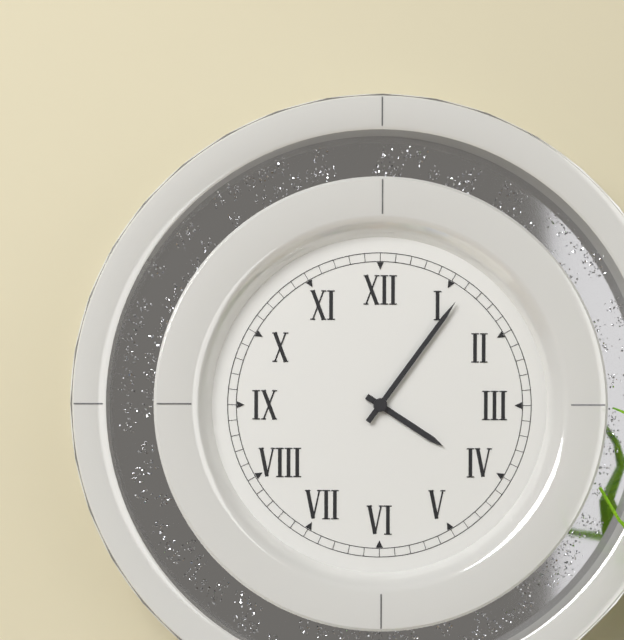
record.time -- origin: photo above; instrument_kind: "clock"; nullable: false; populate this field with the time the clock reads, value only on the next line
4:06
